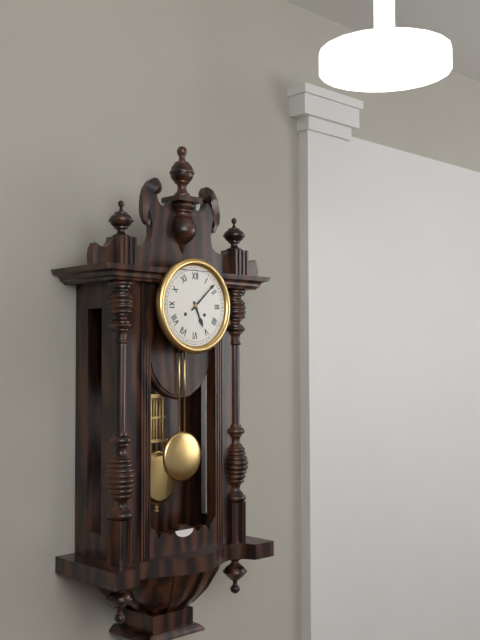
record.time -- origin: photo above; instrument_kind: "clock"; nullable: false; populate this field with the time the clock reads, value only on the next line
5:08
